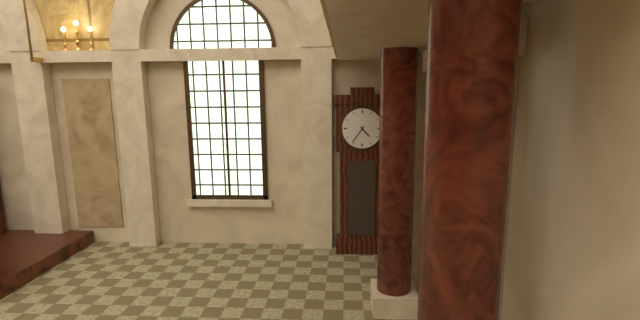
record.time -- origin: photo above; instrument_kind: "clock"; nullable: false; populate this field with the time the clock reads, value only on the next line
4:36
